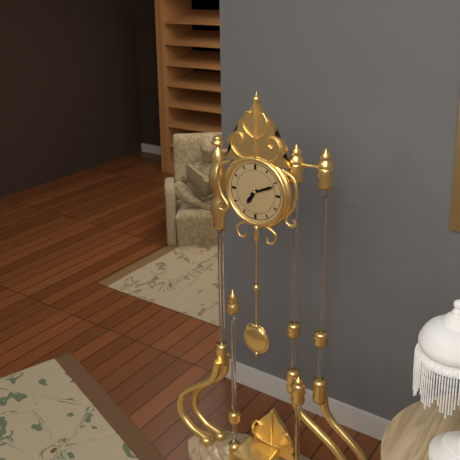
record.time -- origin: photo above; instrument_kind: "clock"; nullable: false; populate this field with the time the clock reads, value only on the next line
7:11
